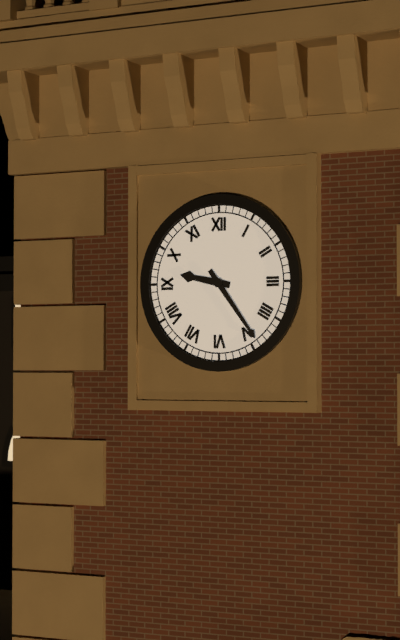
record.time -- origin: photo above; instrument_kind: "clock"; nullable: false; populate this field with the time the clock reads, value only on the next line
9:24
